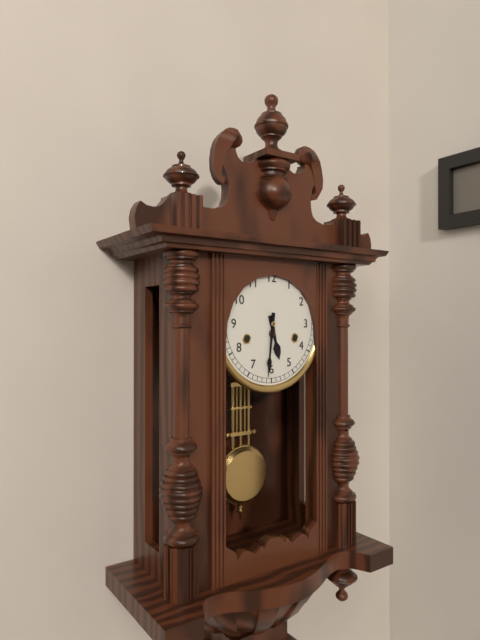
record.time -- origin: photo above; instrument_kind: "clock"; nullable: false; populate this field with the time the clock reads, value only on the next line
5:31
